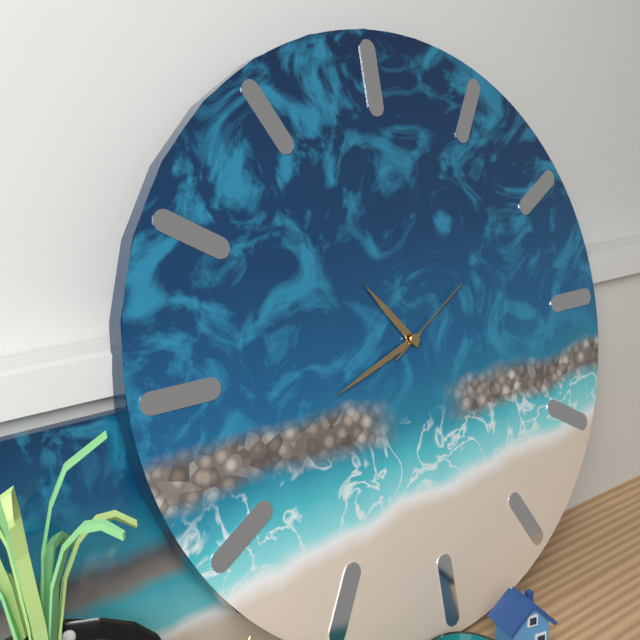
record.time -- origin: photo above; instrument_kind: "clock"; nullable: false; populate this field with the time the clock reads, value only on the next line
10:42:10
